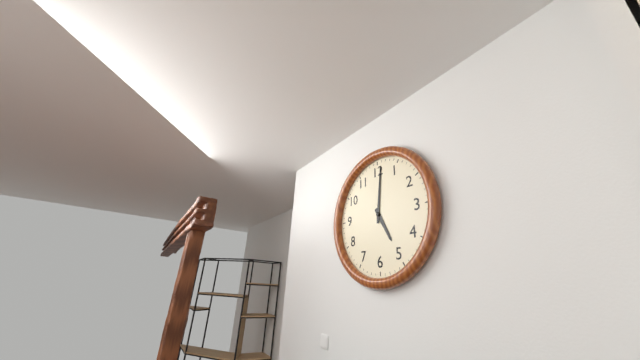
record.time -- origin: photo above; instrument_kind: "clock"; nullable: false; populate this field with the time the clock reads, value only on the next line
5:01
